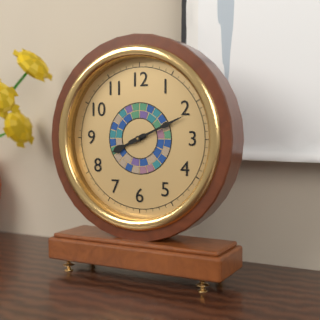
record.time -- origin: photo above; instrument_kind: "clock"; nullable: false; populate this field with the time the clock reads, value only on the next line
8:11
